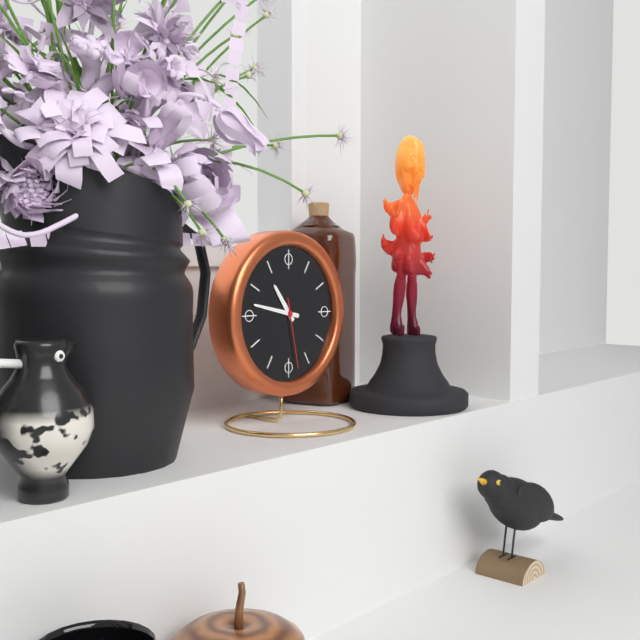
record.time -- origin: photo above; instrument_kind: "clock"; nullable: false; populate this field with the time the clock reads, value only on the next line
10:47:28
